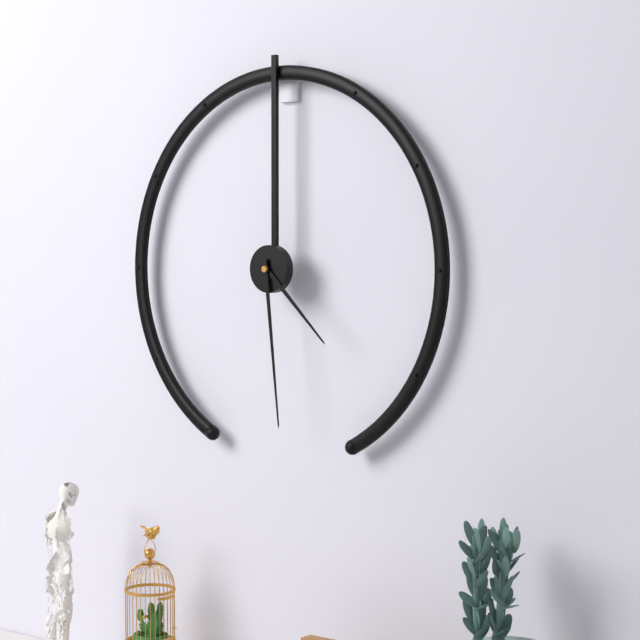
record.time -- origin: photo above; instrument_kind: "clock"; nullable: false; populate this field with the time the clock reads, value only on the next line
4:29
